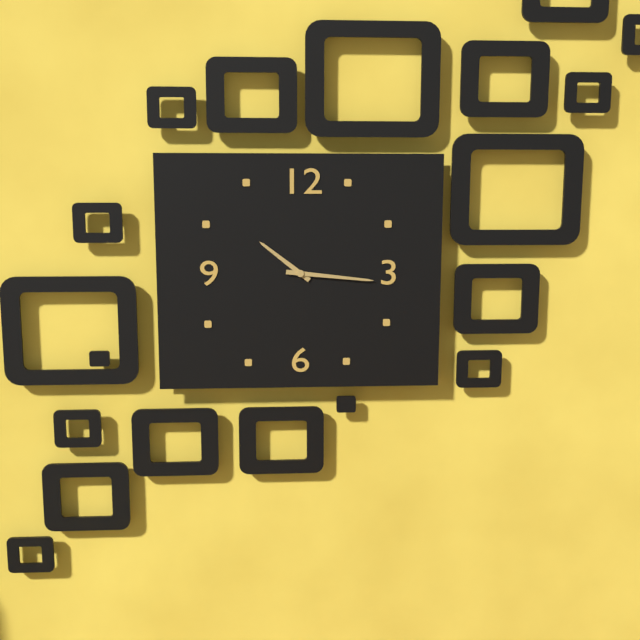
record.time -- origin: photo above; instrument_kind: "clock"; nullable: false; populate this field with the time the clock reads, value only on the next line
10:16
